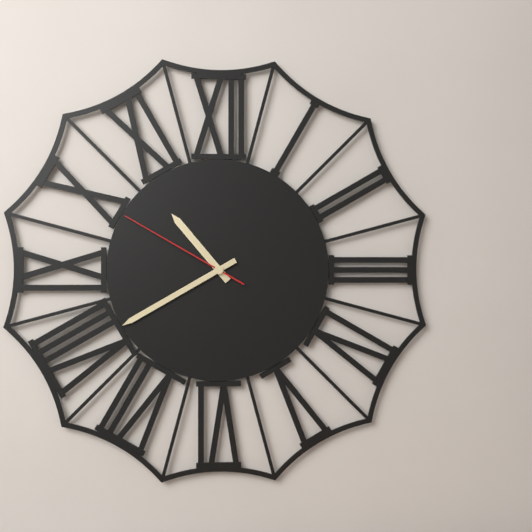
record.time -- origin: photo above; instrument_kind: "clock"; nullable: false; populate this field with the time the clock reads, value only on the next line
10:40:50
